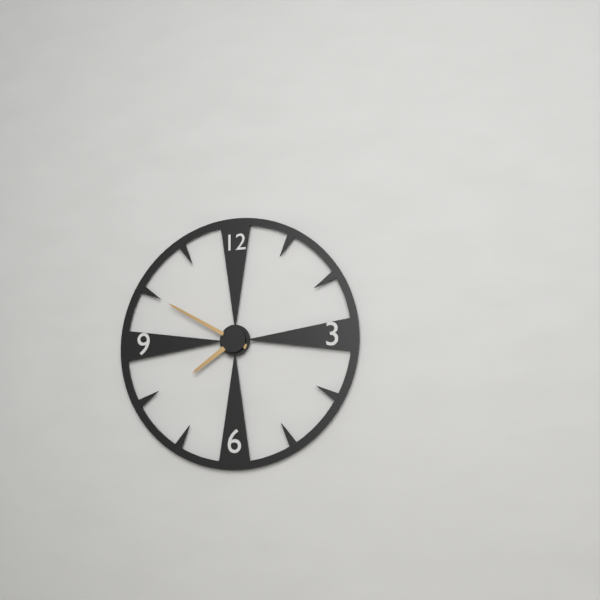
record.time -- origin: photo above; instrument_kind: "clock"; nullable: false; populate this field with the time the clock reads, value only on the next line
7:50
